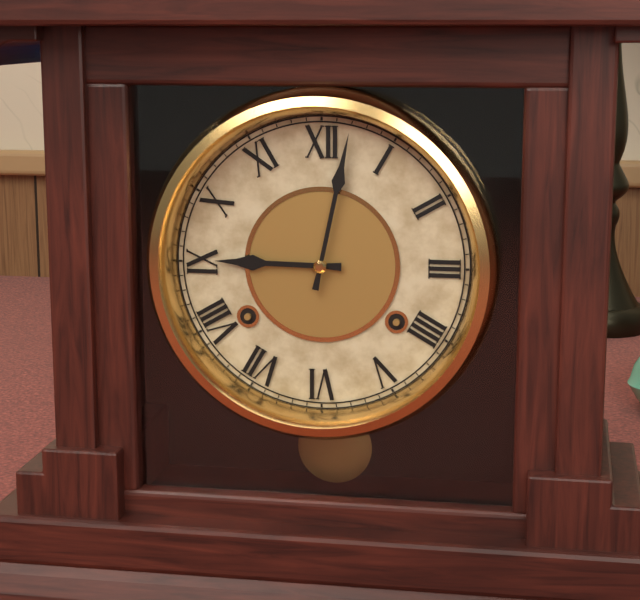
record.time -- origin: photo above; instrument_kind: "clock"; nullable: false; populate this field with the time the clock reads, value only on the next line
9:02
